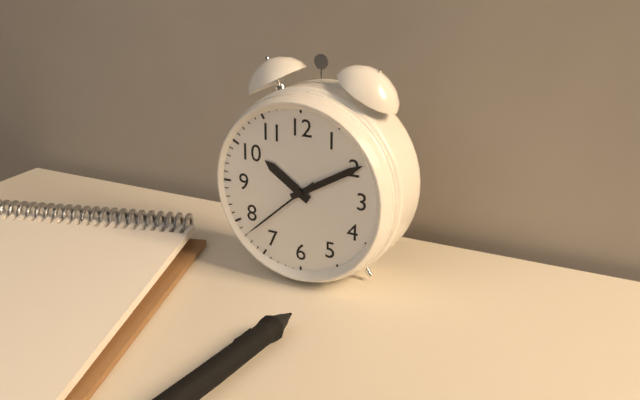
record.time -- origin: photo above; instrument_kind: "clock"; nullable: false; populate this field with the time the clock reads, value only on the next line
10:10:38
